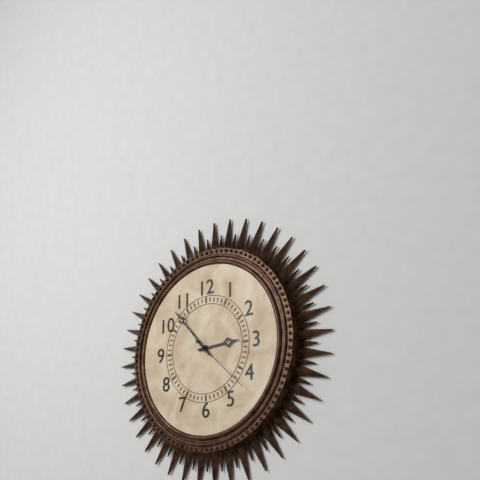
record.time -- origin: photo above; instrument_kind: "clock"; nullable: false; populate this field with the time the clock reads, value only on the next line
2:53:22
